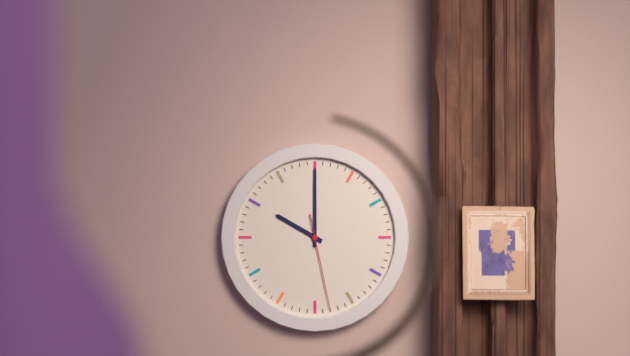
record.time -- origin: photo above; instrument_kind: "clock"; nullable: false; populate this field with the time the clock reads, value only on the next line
10:00:28
